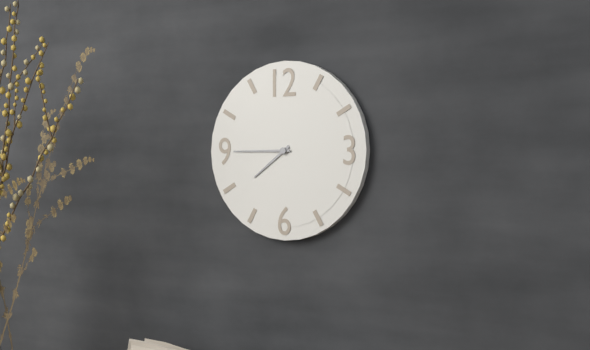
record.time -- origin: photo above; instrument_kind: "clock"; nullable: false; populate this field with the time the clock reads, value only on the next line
7:45
